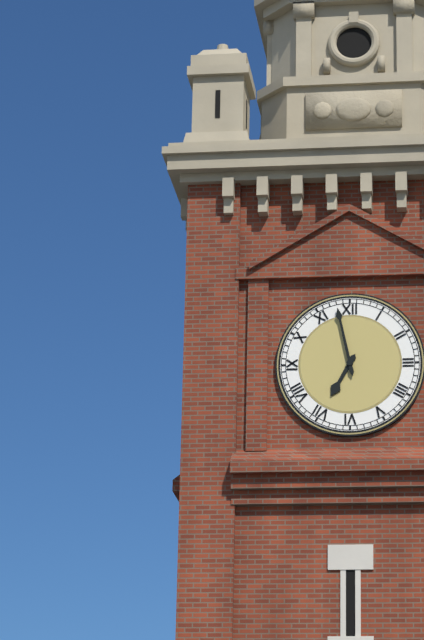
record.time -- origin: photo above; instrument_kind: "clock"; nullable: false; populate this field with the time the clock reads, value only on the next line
6:58
